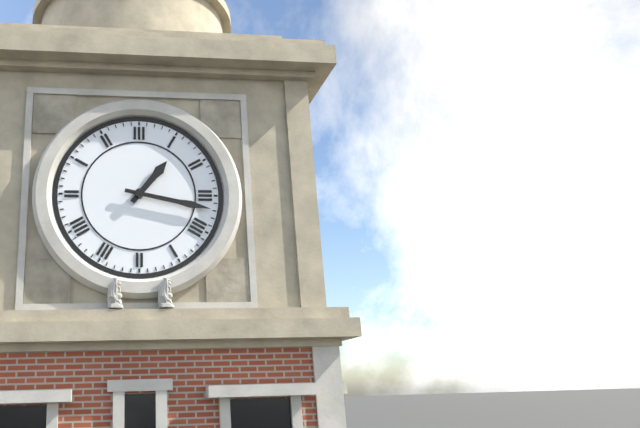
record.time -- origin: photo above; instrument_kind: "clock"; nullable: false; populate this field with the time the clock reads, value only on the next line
1:17
